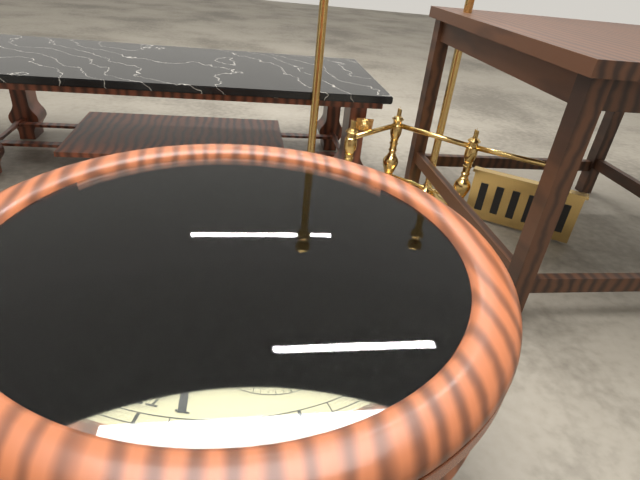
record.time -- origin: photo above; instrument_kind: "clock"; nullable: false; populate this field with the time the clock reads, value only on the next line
2:27:57
